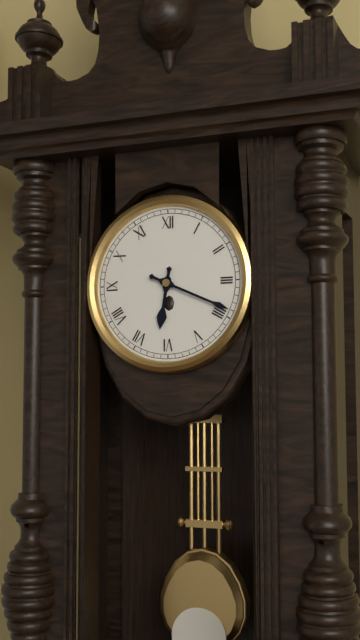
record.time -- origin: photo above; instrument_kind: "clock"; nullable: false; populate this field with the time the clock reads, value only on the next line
6:19
